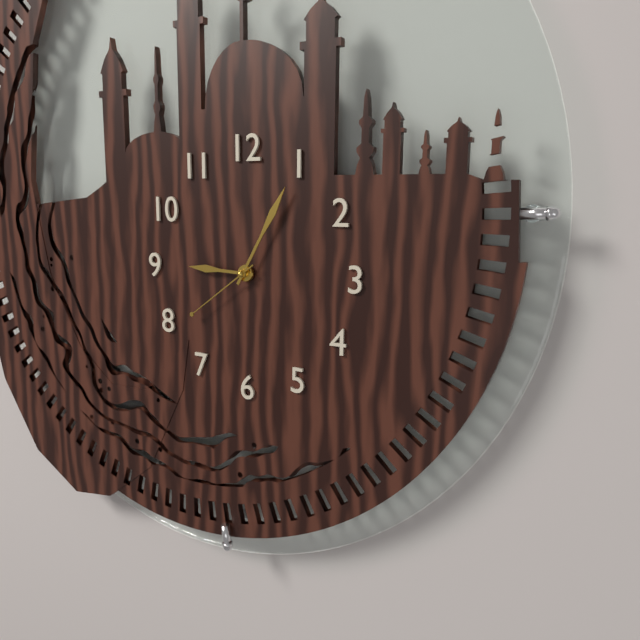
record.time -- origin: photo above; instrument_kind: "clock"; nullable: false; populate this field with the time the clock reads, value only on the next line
9:05:39
